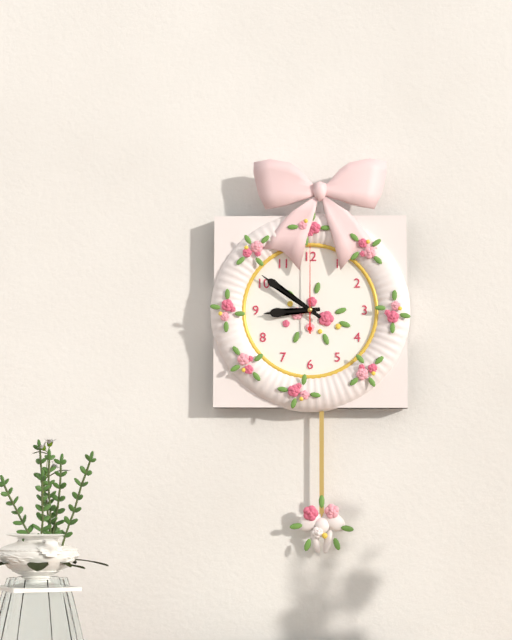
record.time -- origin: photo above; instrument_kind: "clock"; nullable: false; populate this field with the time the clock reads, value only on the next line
8:51:00
